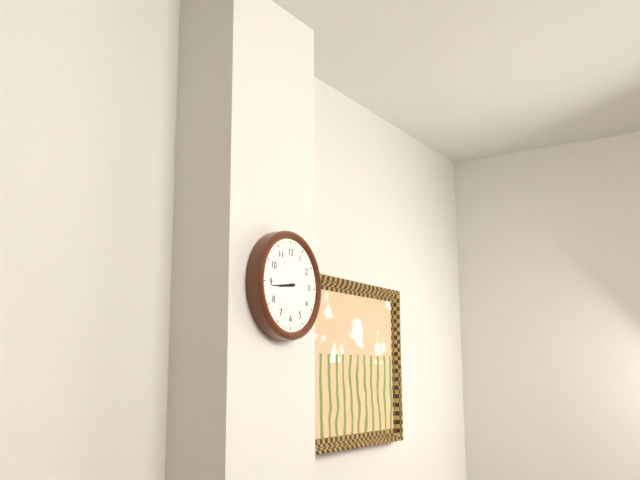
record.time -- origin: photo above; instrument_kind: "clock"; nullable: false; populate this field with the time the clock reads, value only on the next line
8:44
